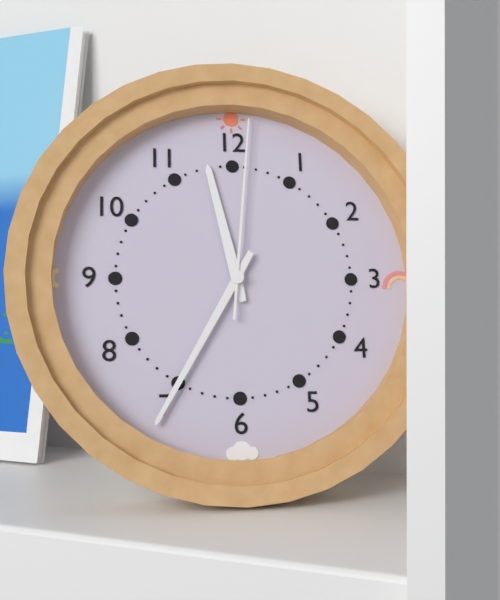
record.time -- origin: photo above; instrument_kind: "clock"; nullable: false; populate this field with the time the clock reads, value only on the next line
11:35:01
